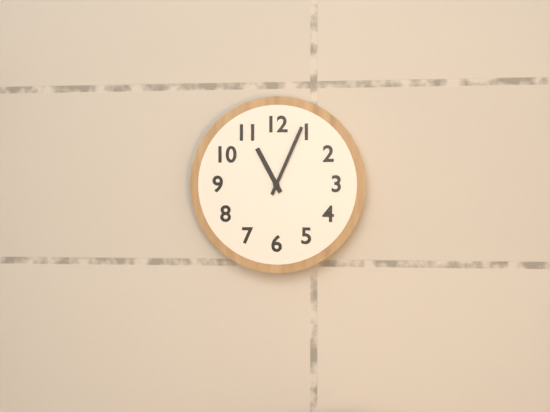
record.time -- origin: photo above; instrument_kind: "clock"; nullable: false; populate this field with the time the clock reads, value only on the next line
11:04
